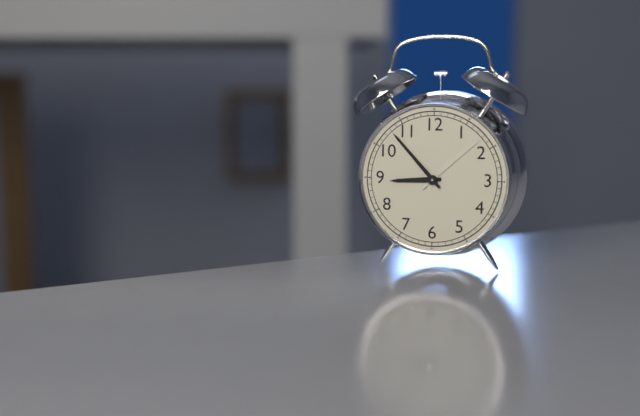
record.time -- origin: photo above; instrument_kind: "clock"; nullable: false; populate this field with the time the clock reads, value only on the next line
8:53:08
